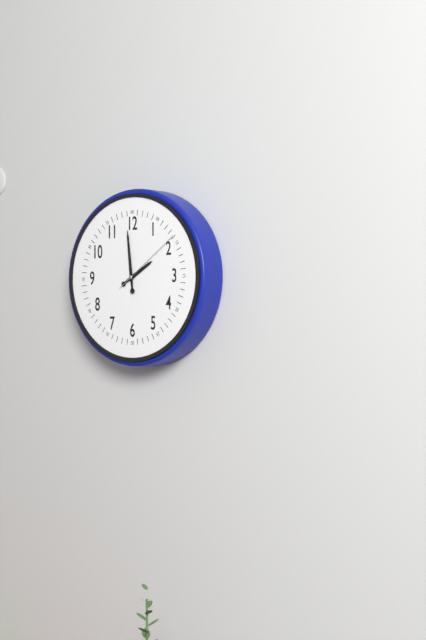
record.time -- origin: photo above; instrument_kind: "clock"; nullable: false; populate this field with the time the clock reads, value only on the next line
1:59:09
